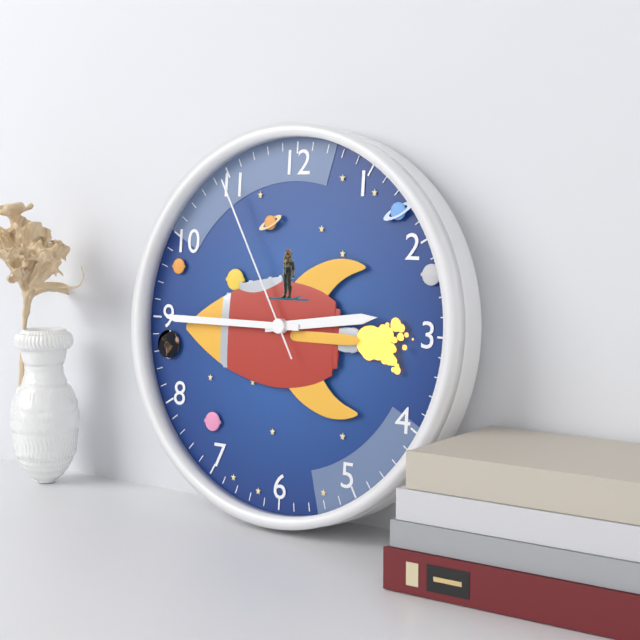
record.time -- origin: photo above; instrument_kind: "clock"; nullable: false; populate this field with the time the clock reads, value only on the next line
2:45:55
